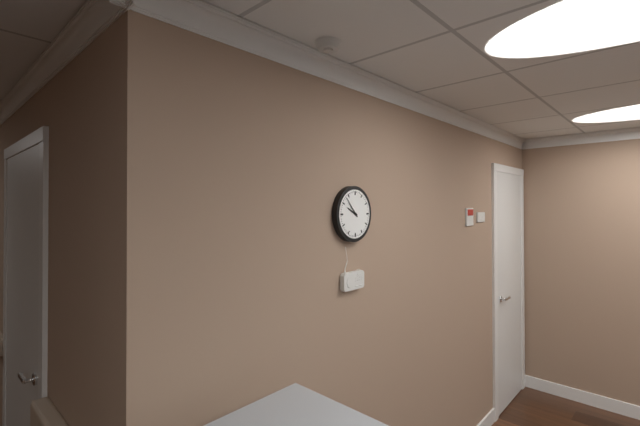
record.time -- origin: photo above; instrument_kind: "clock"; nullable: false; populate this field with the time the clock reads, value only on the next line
9:53
